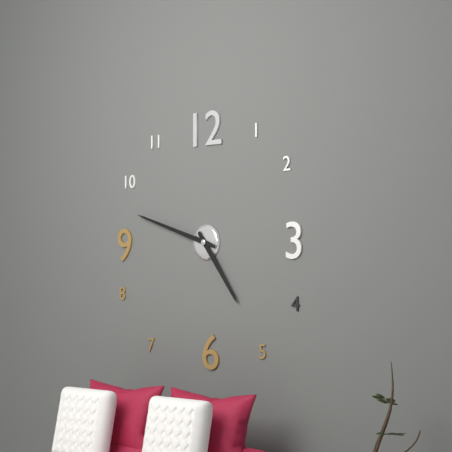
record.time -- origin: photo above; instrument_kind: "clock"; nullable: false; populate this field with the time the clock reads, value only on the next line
4:48
